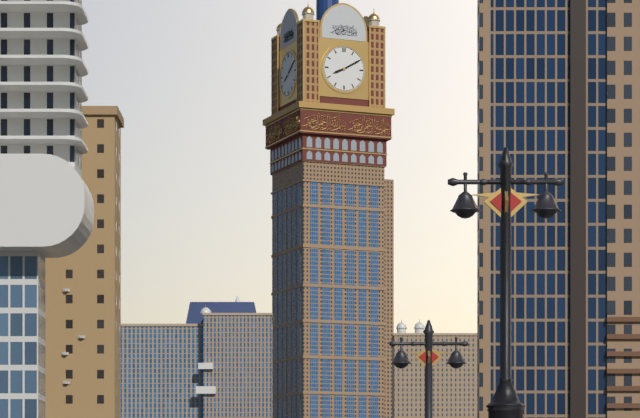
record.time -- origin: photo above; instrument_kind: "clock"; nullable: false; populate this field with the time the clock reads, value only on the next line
8:10
